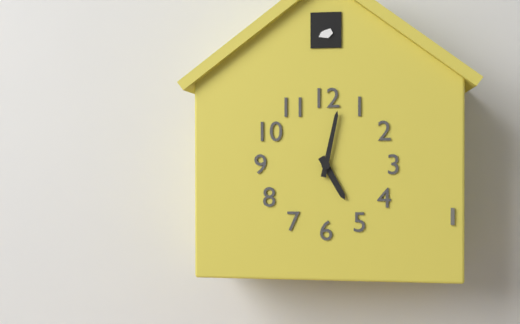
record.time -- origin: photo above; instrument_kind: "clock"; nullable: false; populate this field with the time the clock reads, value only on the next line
5:02
